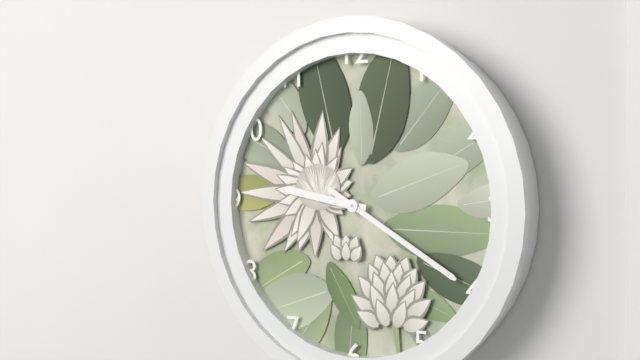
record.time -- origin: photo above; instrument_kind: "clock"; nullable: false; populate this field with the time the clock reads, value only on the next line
9:20
